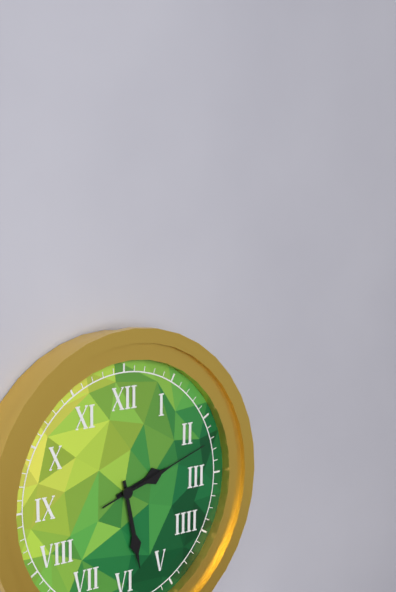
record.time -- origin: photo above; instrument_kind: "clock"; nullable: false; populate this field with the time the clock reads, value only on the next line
2:28:12
